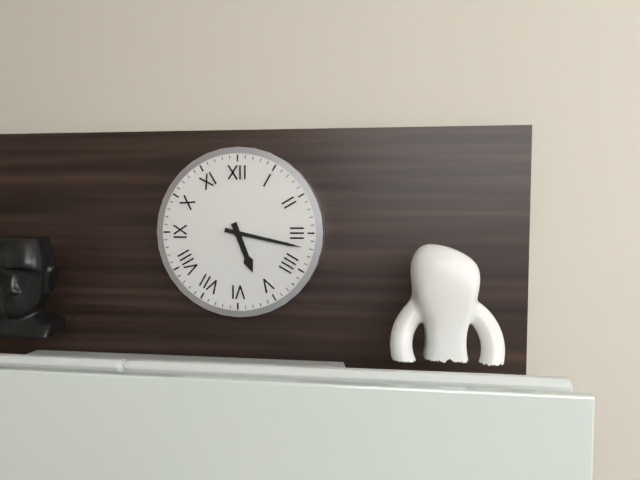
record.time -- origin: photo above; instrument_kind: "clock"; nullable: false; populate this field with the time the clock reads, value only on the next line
5:17
